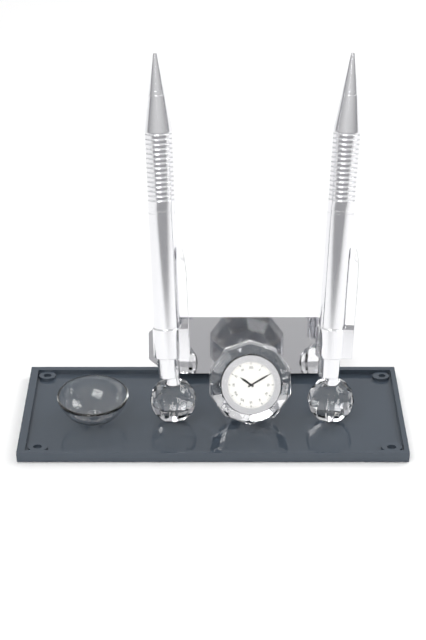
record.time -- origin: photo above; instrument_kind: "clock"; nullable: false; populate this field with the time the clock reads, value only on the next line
10:10
